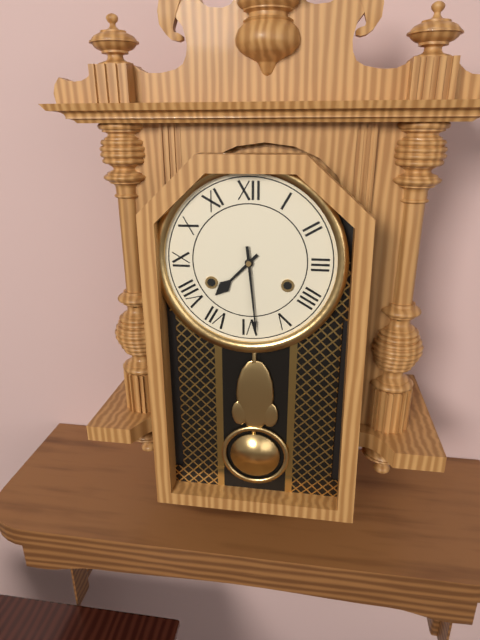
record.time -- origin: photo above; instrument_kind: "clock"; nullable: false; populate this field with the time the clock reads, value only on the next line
7:29
